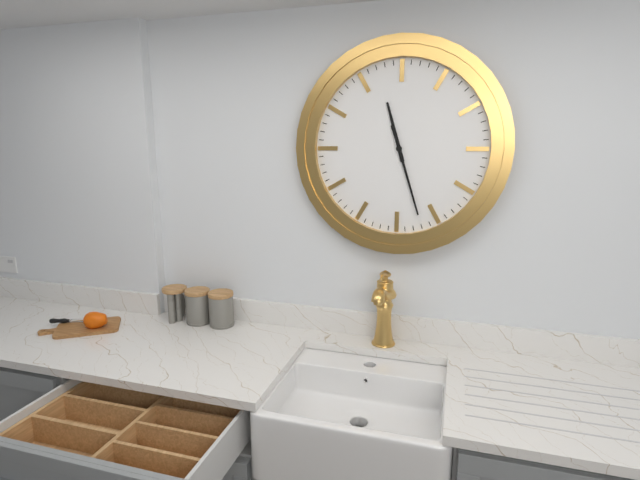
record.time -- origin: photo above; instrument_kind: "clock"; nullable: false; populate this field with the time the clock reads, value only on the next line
11:27
